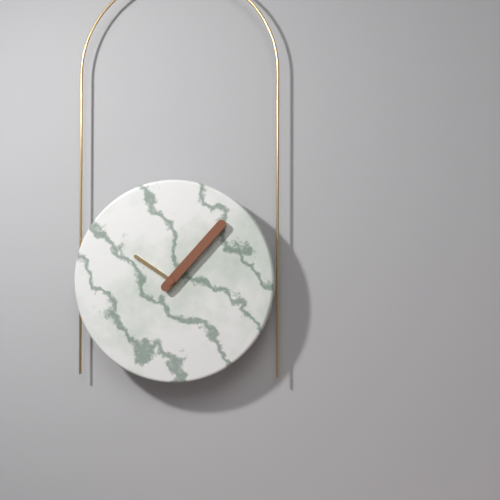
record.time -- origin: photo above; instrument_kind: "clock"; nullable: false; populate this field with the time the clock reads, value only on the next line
10:07
